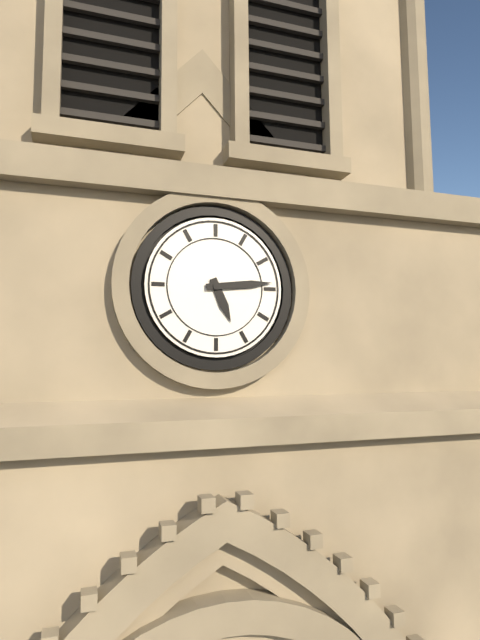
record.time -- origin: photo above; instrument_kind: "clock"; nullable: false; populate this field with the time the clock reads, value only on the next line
5:14
